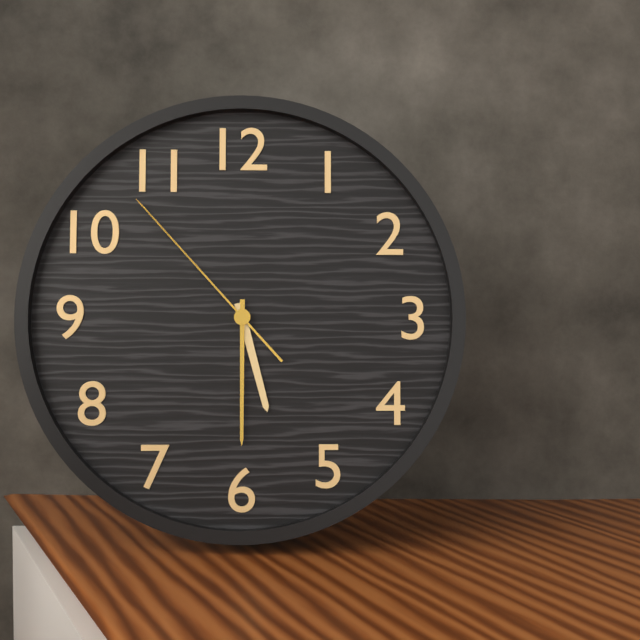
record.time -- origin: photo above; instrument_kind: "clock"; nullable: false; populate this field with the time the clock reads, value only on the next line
5:30:53
